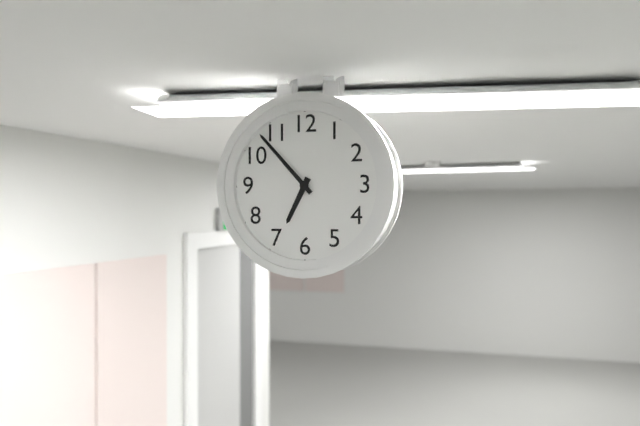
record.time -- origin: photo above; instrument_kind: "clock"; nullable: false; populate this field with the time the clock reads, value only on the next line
6:53
